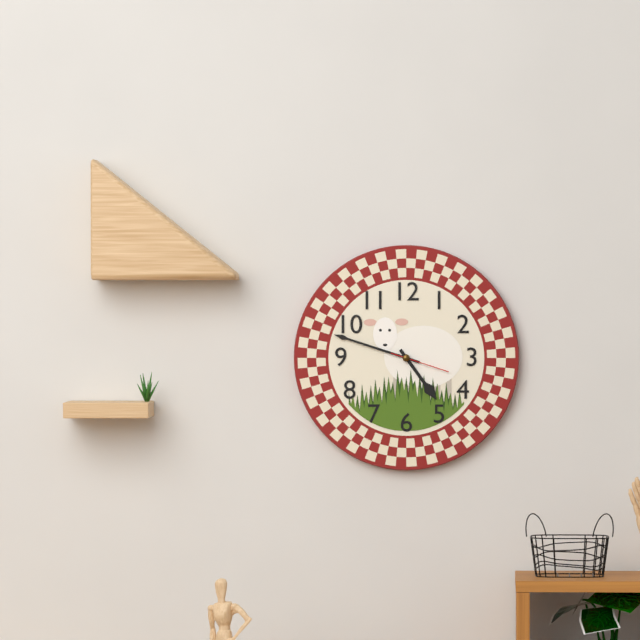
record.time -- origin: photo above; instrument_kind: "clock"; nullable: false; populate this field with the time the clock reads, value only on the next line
4:48:18
